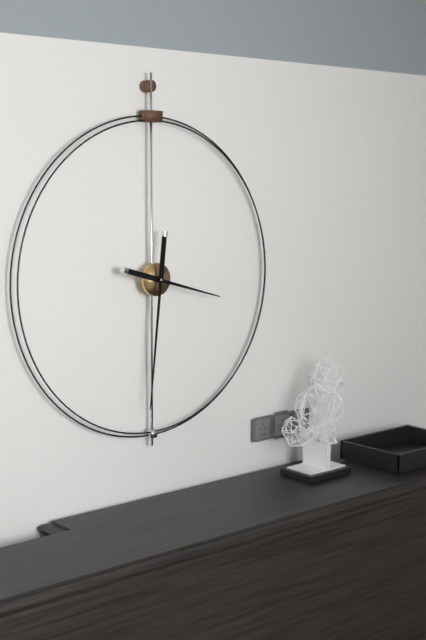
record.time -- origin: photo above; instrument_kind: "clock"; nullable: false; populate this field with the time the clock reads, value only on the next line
3:31
